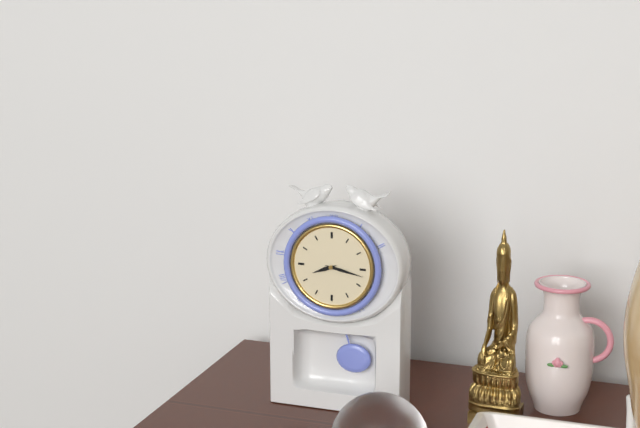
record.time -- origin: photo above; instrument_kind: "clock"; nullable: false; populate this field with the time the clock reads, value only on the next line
8:17
